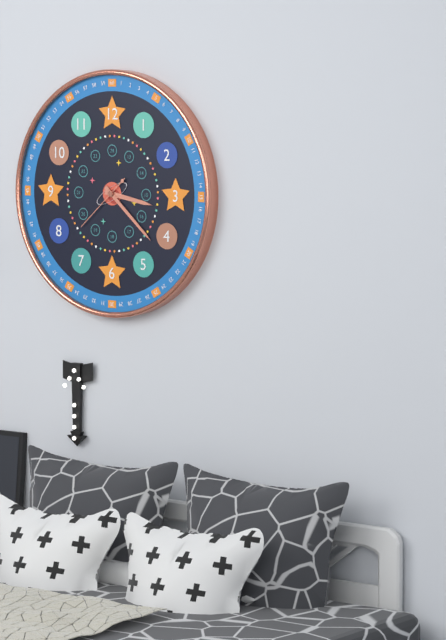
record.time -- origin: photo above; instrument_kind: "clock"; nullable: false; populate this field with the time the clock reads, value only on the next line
3:22:38
